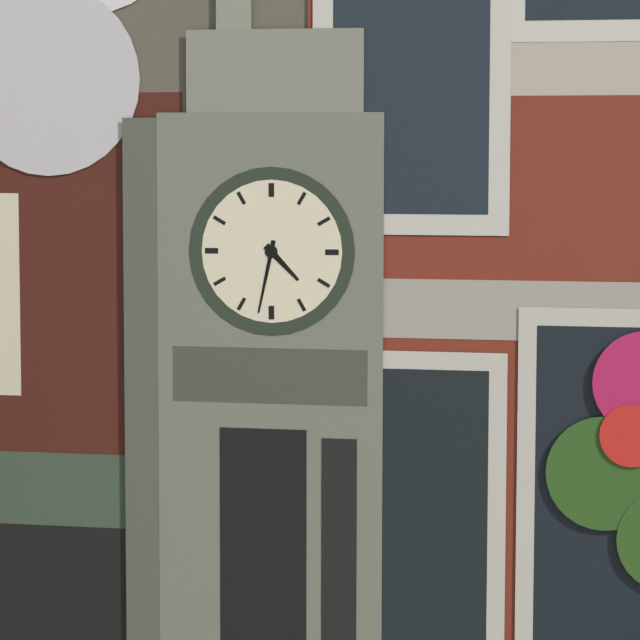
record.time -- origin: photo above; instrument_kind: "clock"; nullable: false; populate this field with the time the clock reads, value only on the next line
4:32
